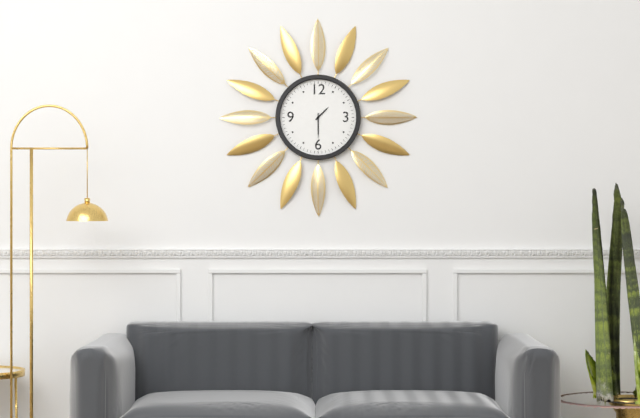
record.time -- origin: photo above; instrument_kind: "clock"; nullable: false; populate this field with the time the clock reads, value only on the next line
1:30
